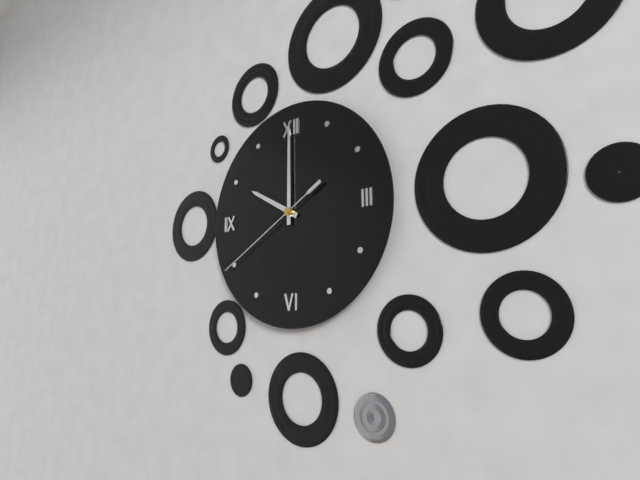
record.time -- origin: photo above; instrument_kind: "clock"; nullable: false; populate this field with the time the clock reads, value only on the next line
10:00:40
